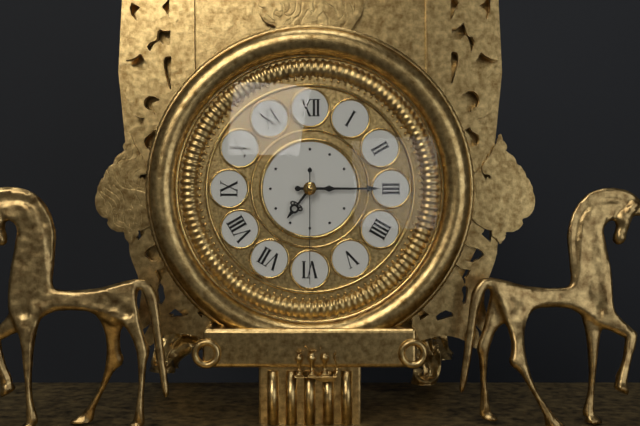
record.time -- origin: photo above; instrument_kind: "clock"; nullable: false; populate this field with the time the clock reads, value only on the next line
7:15:30
